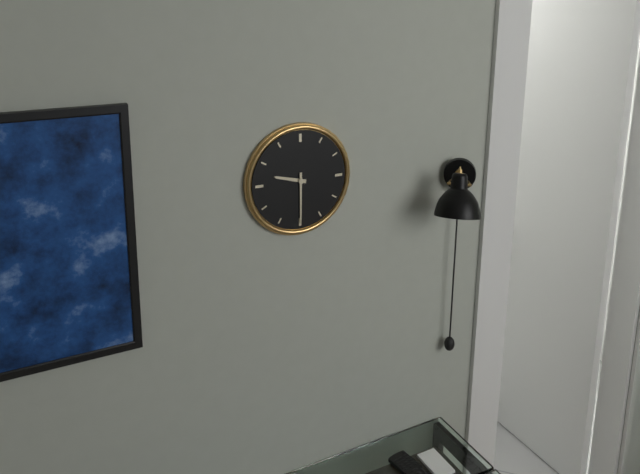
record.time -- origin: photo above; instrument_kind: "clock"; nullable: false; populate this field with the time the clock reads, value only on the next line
9:30
